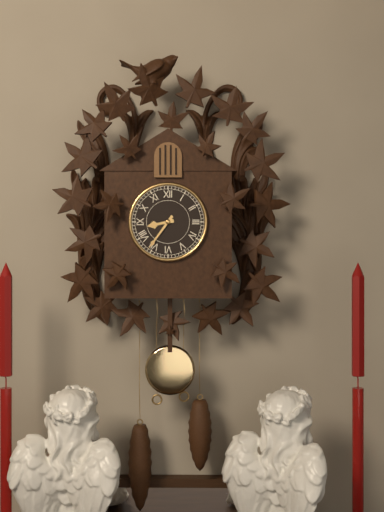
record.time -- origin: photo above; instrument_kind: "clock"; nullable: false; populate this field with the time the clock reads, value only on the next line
8:36
